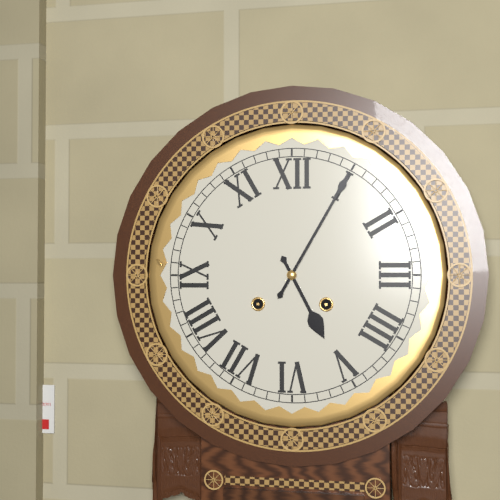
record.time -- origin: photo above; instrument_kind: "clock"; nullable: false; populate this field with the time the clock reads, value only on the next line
5:05
